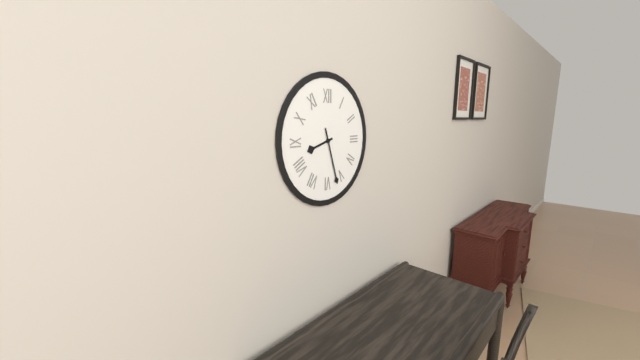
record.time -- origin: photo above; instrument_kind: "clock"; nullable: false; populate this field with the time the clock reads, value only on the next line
8:27
